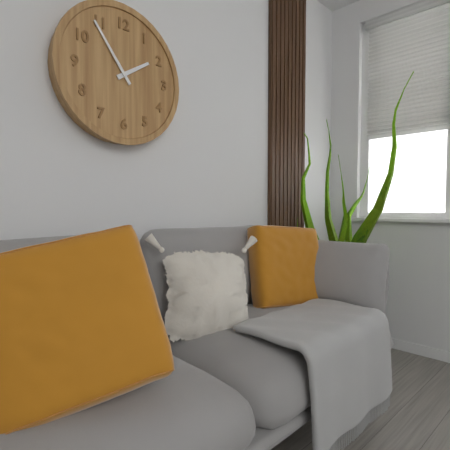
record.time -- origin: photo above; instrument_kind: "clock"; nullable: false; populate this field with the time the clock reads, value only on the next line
1:54
